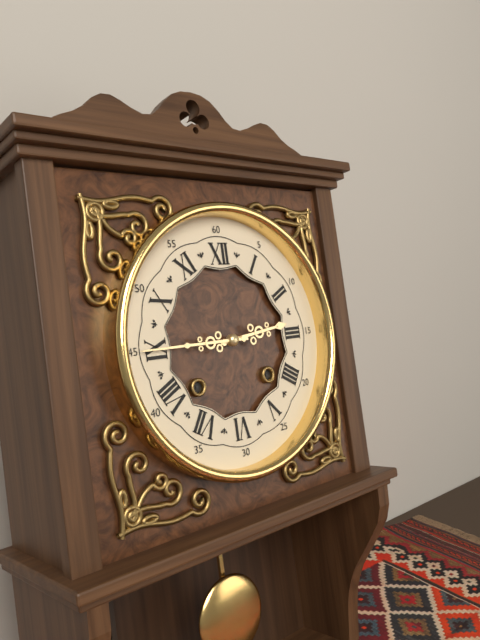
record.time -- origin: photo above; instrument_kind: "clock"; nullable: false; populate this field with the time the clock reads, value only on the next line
2:45
